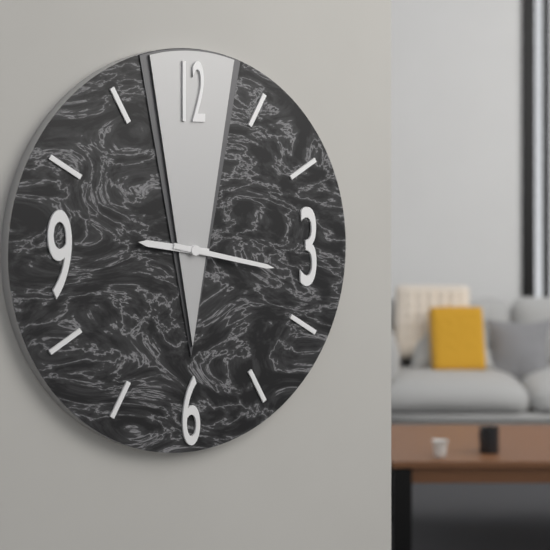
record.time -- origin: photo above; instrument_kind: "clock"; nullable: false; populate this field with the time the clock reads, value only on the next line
9:17
